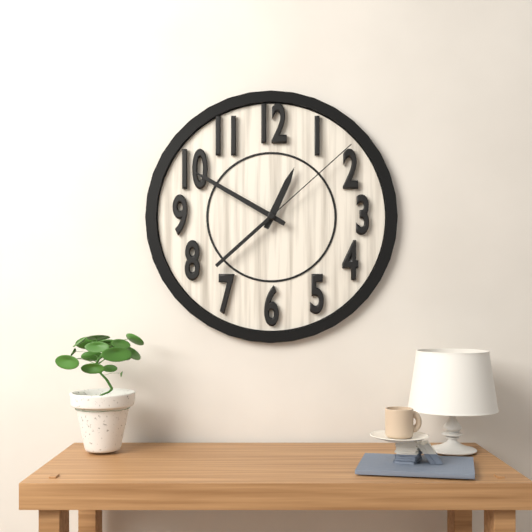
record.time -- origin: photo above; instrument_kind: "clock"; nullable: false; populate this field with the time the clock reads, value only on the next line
12:50:08
